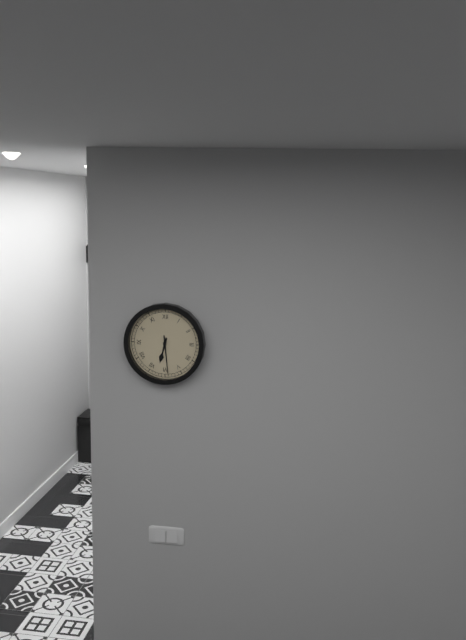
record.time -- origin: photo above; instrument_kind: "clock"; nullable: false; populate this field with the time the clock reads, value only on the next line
6:29
